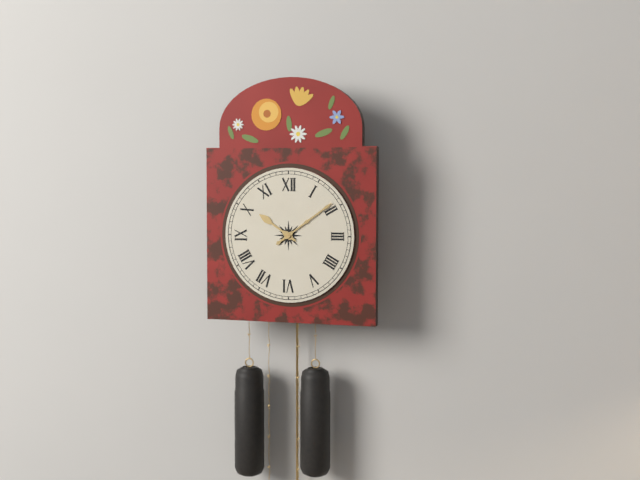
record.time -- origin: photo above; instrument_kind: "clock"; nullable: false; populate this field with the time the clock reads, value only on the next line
10:09
